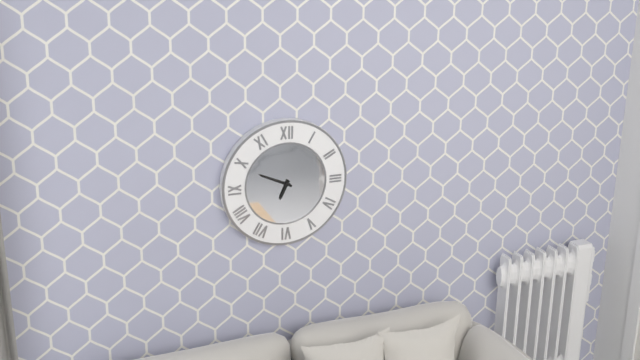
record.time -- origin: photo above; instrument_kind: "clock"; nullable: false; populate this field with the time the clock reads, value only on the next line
6:49
